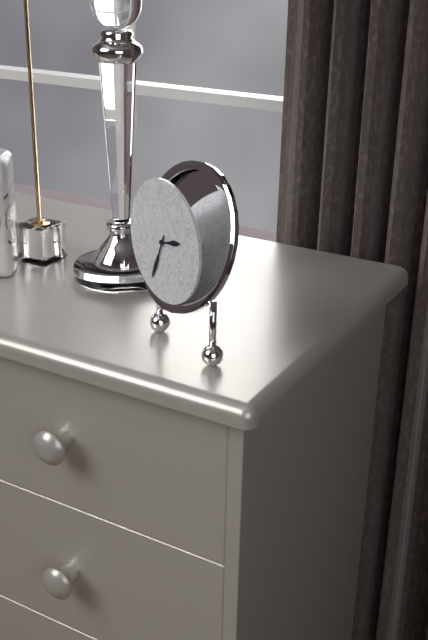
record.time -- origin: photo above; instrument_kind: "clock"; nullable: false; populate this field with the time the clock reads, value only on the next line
2:34
